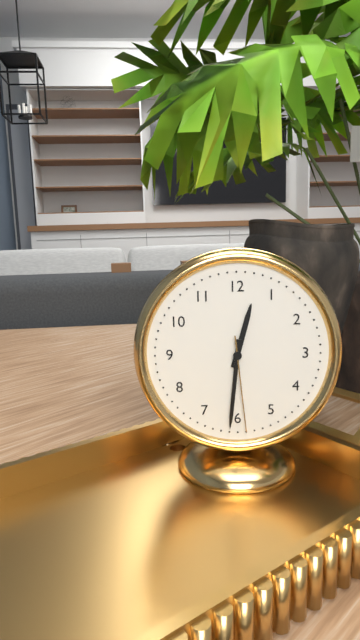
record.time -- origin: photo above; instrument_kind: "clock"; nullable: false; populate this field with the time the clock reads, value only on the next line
12:31:29
